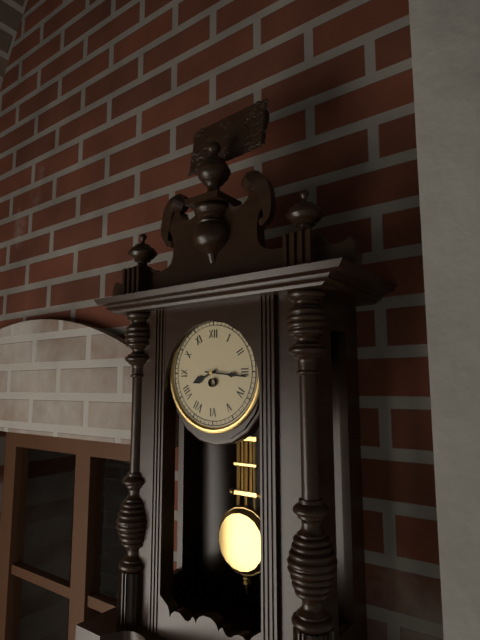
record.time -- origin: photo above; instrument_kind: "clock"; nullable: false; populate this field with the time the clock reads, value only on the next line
8:16
